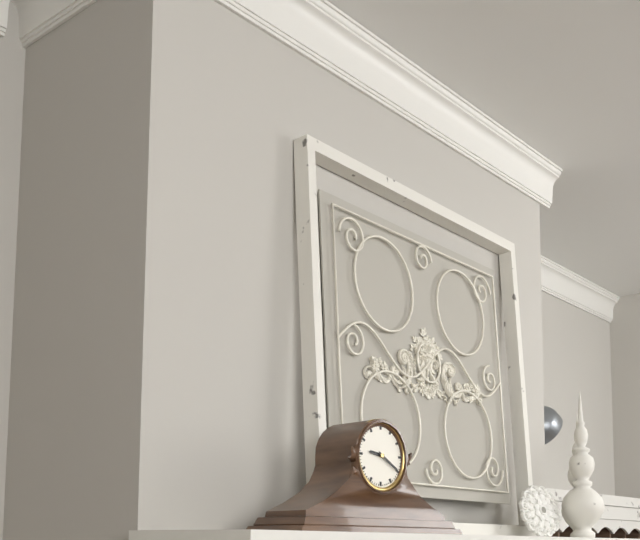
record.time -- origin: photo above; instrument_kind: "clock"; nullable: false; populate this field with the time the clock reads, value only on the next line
9:20
